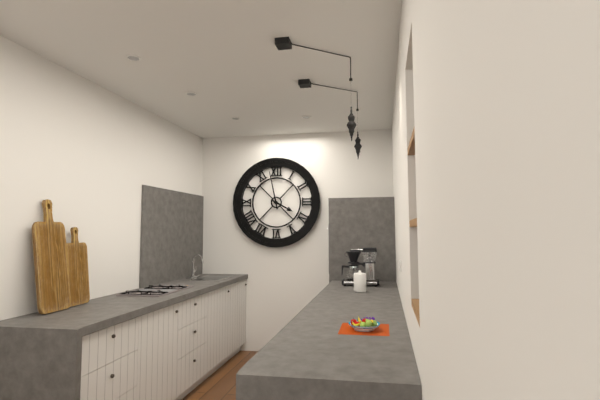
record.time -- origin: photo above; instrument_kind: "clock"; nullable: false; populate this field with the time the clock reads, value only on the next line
3:58
